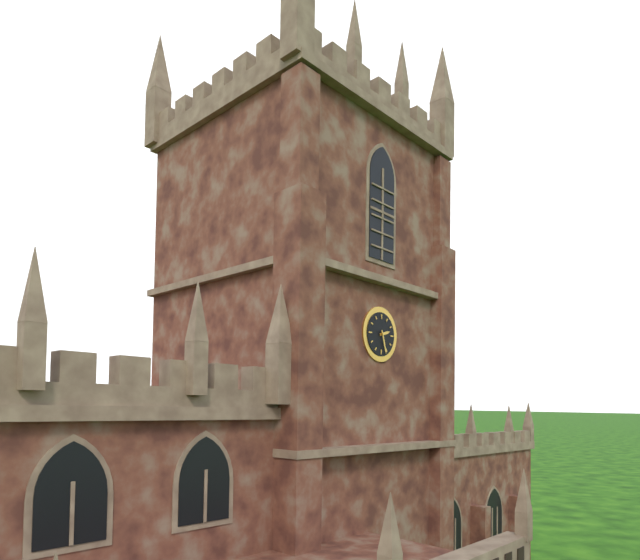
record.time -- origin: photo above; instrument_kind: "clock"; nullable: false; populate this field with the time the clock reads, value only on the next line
2:27
